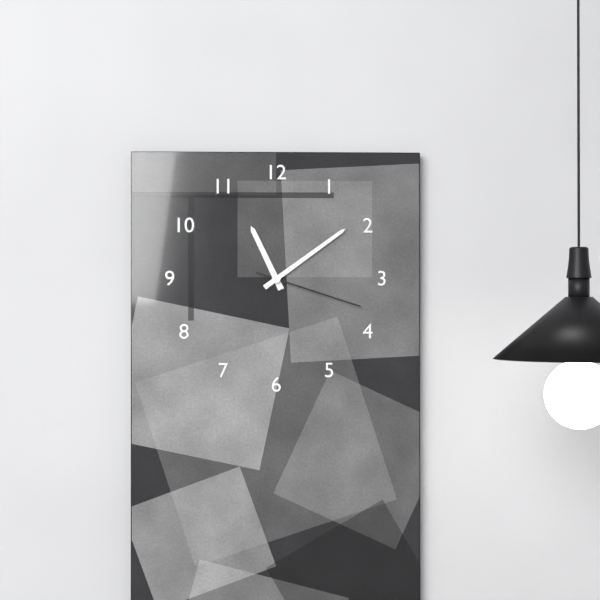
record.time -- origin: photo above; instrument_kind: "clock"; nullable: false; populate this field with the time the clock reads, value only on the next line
11:09:18
